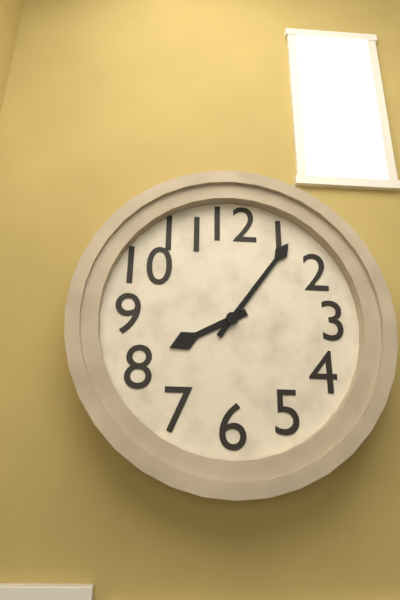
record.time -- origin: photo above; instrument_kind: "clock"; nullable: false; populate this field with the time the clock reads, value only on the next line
8:06
